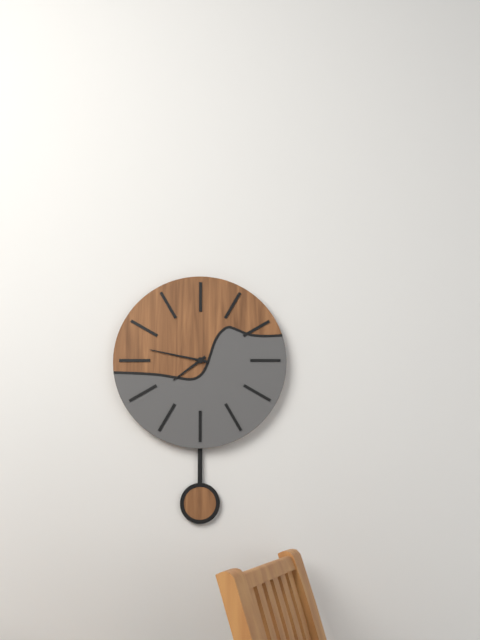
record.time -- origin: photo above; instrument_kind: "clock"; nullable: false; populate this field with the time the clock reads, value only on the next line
7:47
